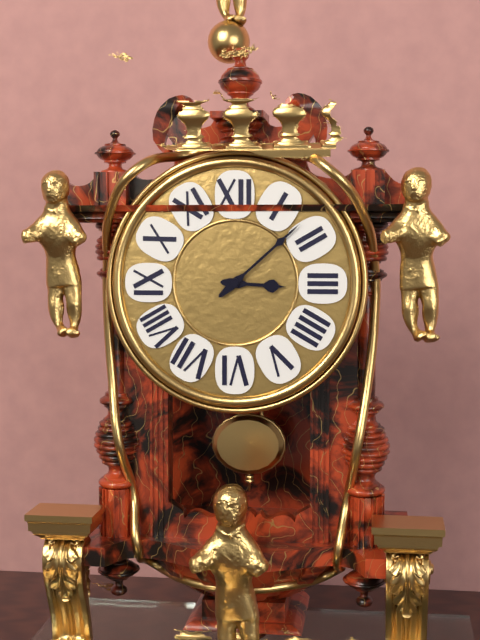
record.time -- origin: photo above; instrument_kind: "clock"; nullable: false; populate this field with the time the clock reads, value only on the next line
3:08
